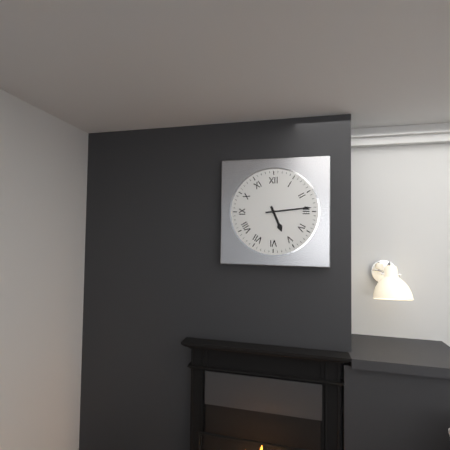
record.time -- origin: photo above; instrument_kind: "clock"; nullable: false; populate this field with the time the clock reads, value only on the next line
5:14
